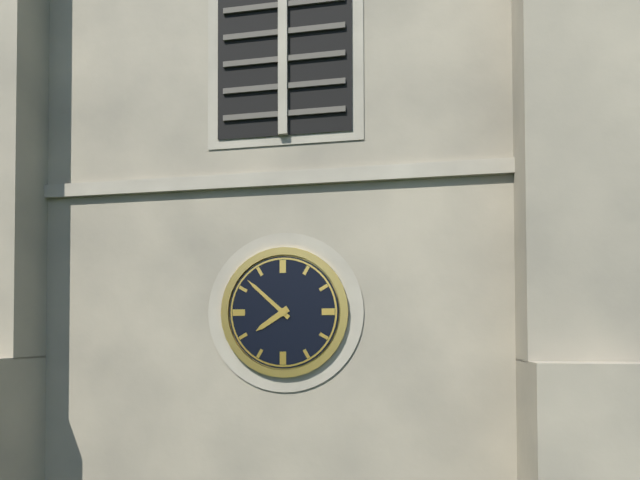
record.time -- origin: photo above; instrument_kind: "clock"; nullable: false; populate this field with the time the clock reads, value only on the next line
7:52
